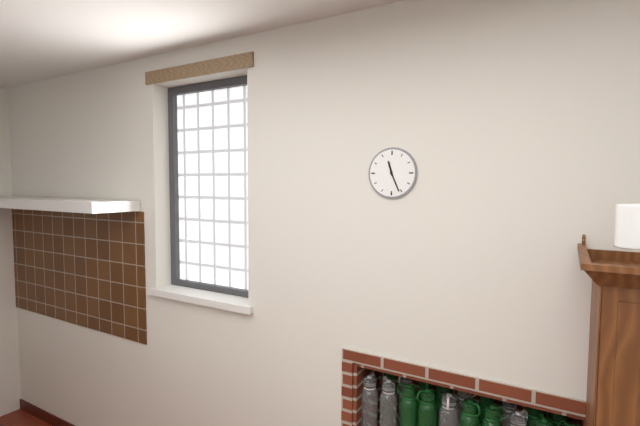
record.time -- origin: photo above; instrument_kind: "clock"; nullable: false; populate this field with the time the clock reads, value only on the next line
11:26
